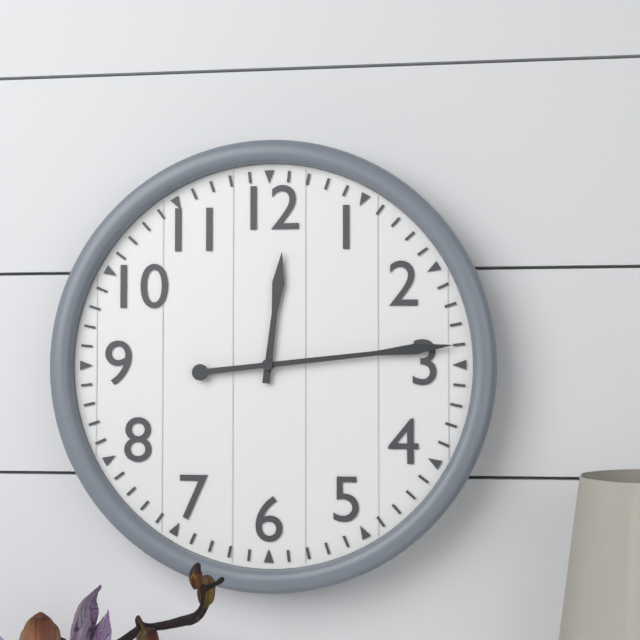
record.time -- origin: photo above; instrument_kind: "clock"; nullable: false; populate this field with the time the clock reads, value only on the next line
12:14
